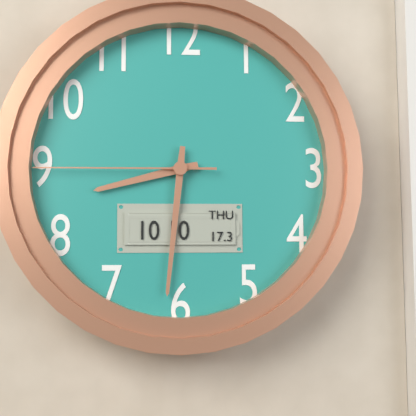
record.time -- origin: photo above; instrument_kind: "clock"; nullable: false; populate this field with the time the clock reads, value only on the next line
8:31:45
